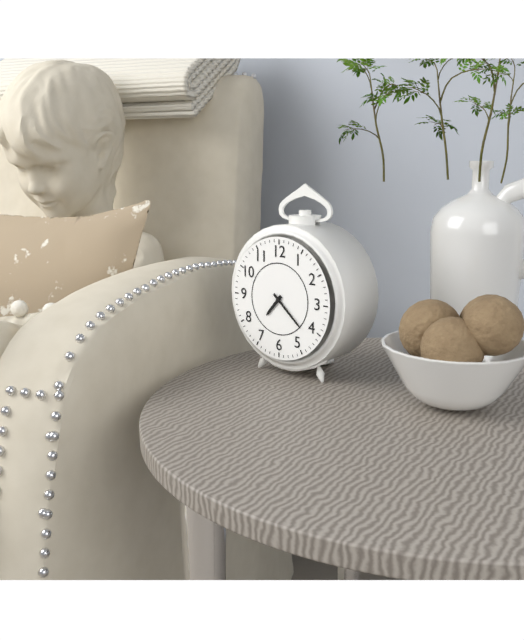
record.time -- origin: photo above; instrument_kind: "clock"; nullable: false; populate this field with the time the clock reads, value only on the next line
7:22
